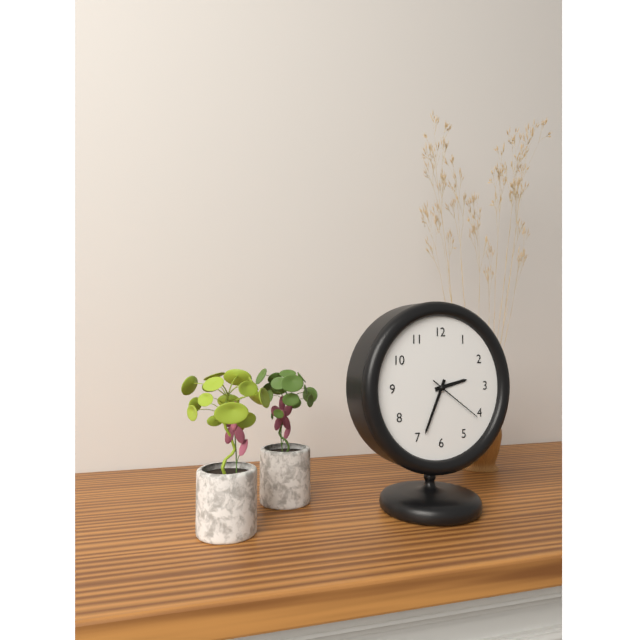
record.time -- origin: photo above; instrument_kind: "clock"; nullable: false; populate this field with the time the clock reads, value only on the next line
2:34:21
